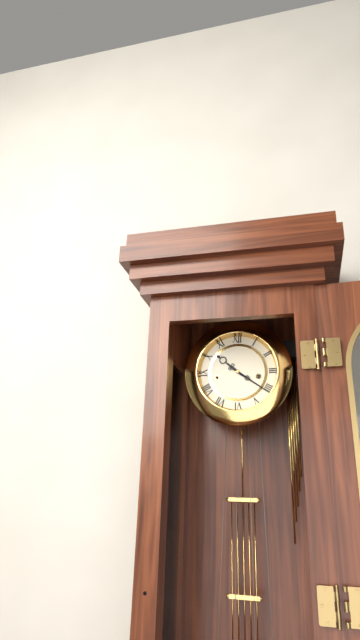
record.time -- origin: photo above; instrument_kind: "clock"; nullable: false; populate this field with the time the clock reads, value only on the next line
10:21
